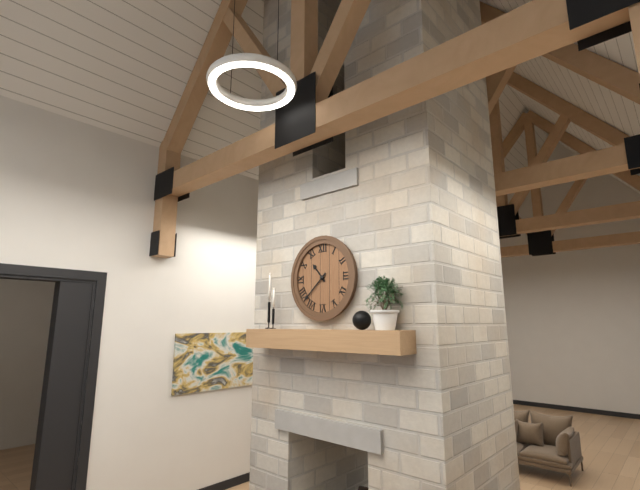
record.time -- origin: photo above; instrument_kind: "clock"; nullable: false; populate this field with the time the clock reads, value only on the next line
10:38
